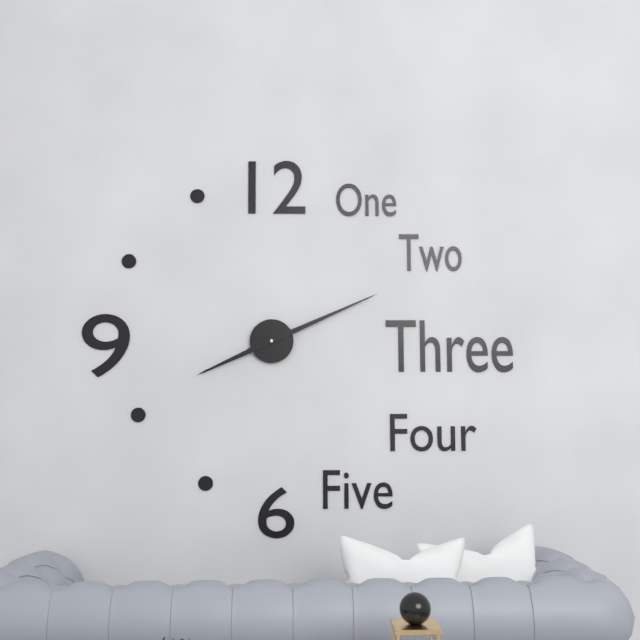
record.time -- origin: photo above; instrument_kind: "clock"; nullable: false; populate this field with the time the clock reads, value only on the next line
8:11
